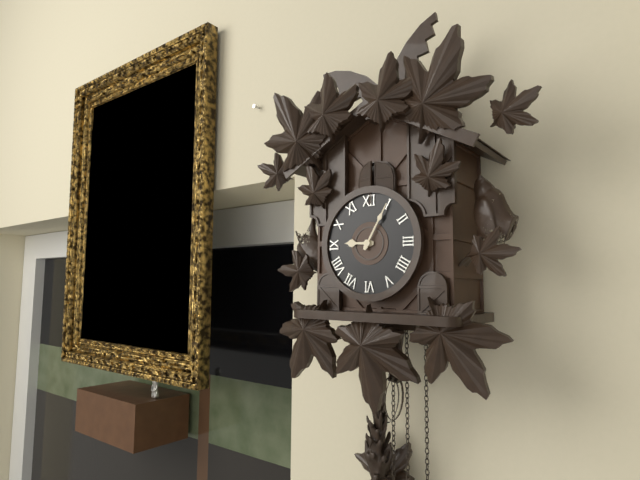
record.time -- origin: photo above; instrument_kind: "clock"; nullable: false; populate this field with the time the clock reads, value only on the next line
9:05
